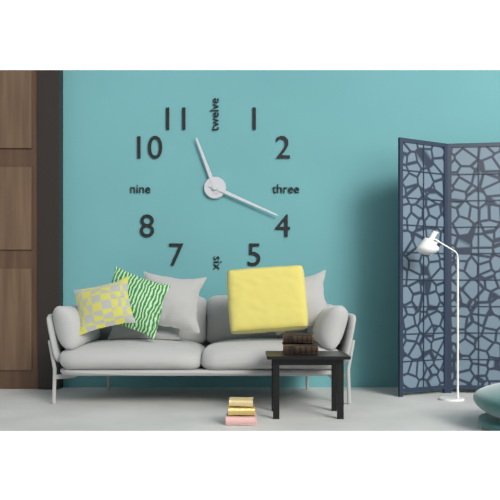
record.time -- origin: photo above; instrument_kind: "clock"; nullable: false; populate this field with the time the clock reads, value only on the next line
11:19
